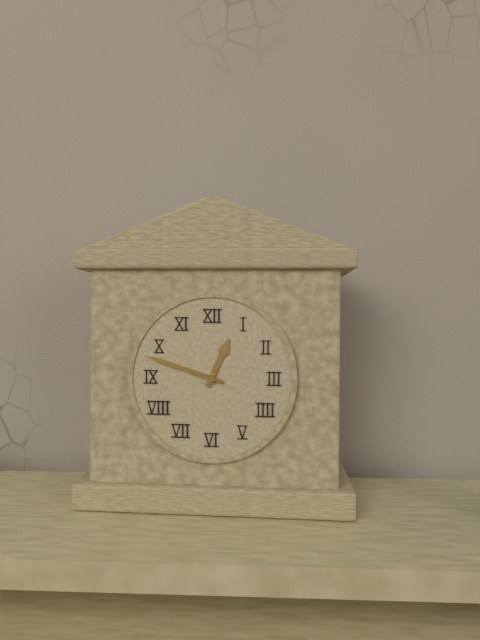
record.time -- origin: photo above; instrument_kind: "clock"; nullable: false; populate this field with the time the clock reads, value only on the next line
12:48
